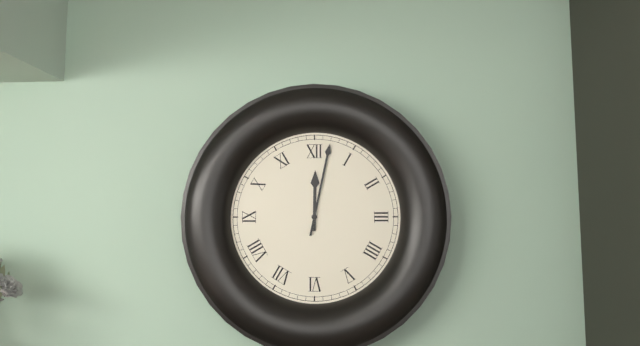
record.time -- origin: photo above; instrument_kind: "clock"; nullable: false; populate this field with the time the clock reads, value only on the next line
12:02
